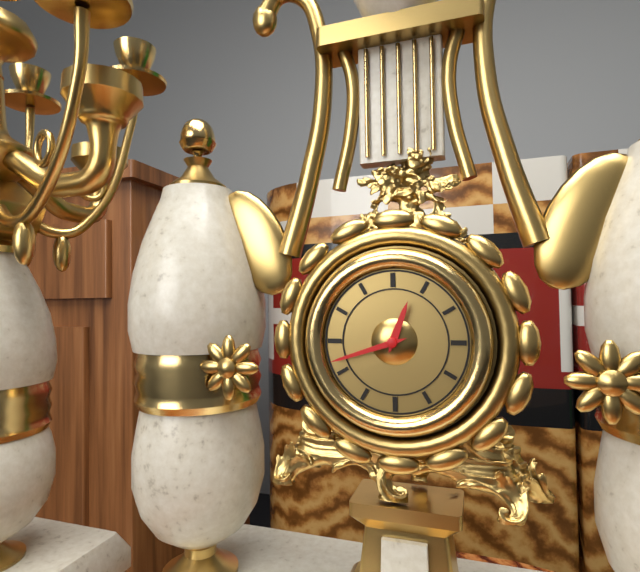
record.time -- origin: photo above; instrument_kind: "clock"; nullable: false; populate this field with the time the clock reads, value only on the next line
12:42
